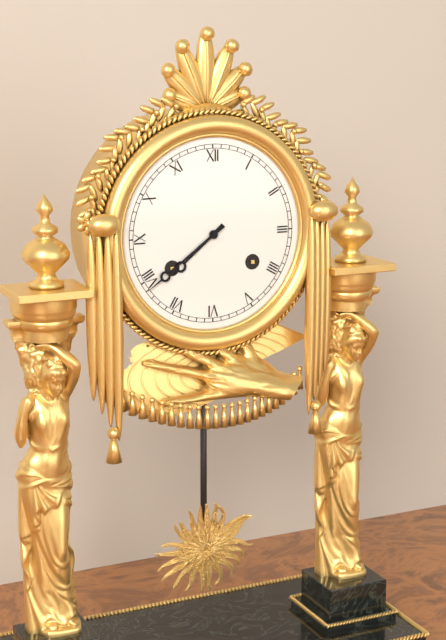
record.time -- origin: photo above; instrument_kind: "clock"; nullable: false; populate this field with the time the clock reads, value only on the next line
7:39
